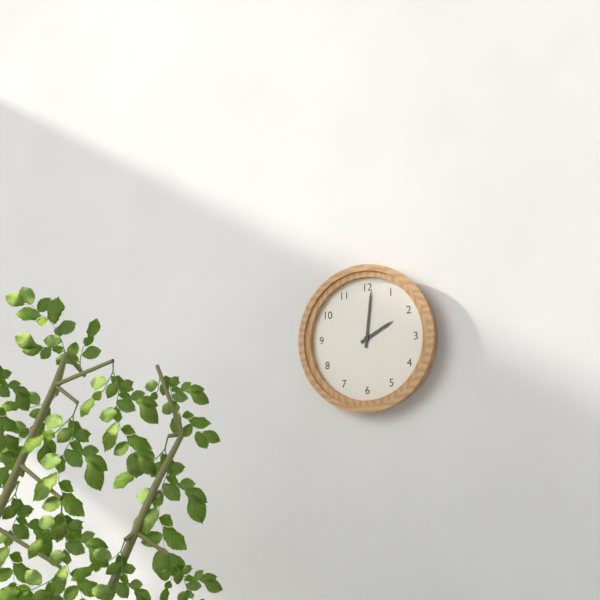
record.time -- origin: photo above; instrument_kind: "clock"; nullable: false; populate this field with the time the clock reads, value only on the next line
2:01
